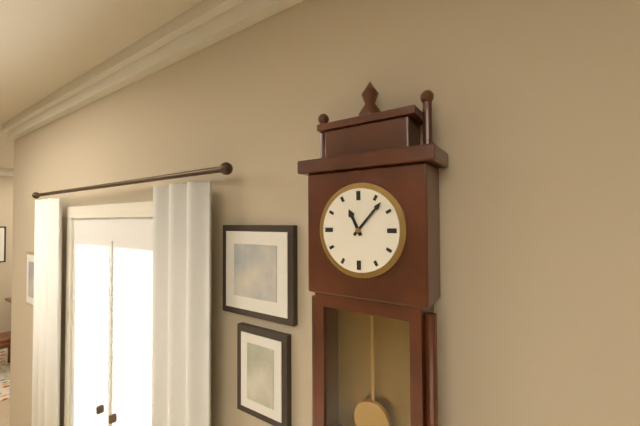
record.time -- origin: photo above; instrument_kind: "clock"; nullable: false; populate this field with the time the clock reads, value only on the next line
11:07
